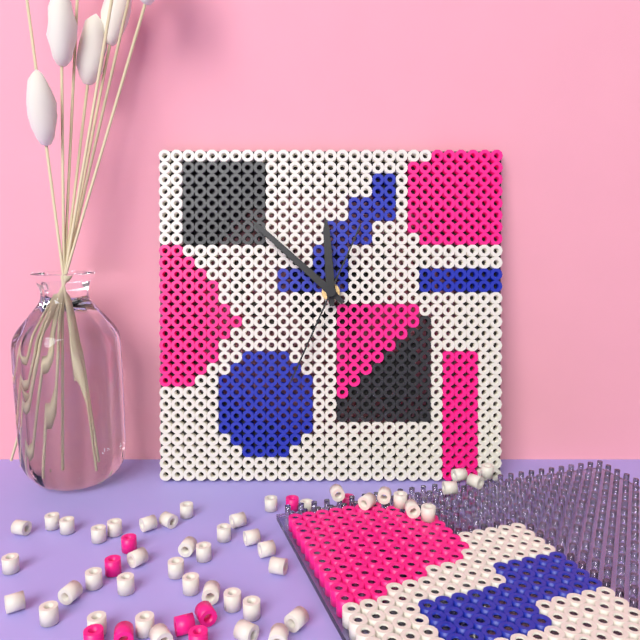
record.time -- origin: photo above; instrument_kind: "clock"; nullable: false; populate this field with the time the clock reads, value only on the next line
11:52:34
